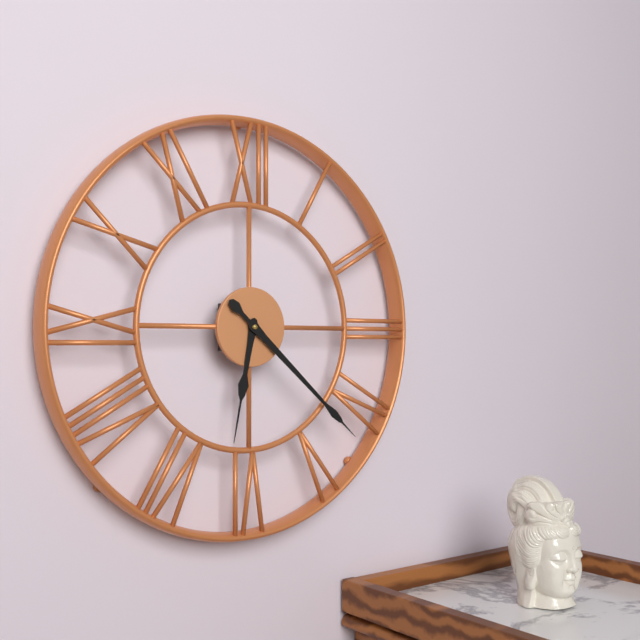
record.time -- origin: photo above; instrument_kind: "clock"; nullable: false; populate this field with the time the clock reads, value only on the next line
6:22
